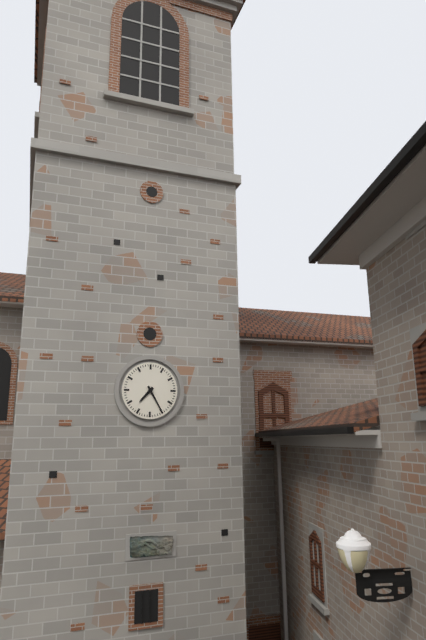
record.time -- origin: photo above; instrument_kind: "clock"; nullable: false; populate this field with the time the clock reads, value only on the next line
7:25
